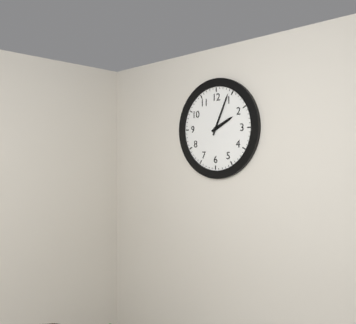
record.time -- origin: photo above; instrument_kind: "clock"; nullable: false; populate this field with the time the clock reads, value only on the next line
2:04
